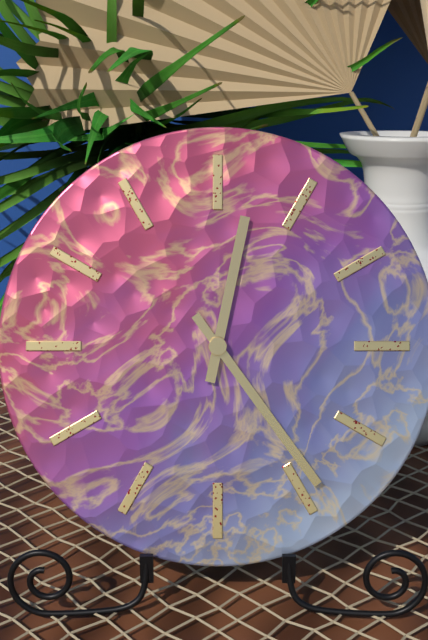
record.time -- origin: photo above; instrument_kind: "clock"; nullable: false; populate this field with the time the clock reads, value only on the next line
12:24
